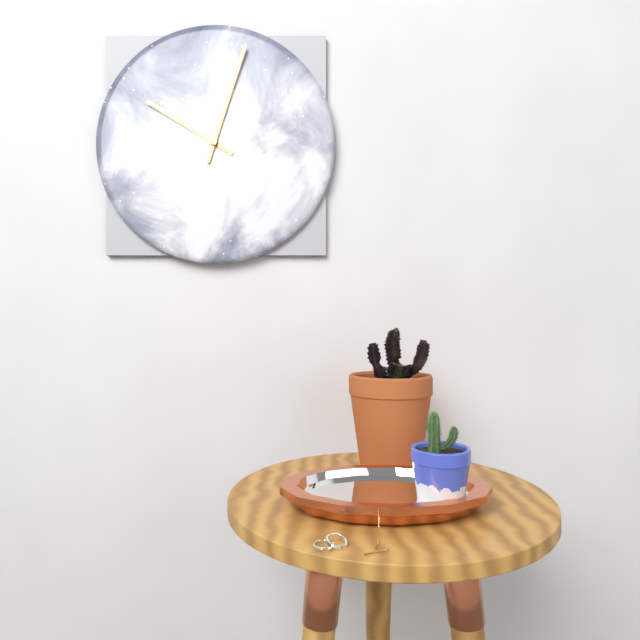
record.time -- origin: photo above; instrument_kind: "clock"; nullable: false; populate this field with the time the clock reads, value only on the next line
10:03
